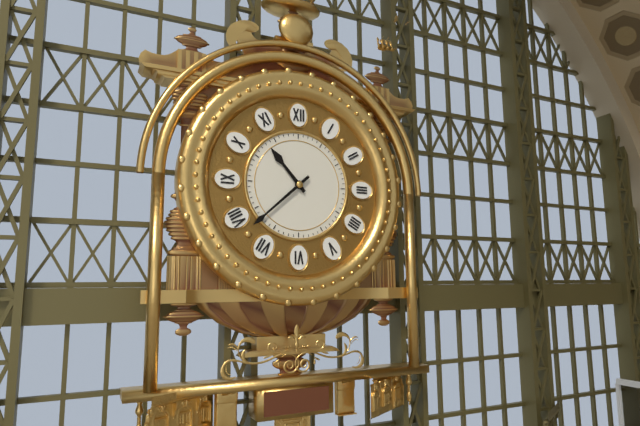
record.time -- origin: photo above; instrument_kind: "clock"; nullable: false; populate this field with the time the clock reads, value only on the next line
10:38
